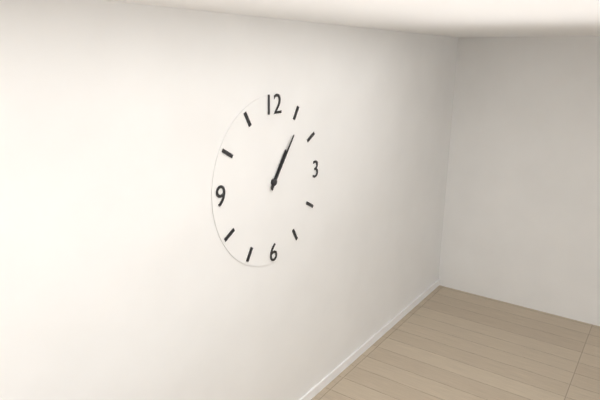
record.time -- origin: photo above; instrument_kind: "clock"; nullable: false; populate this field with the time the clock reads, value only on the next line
1:06
